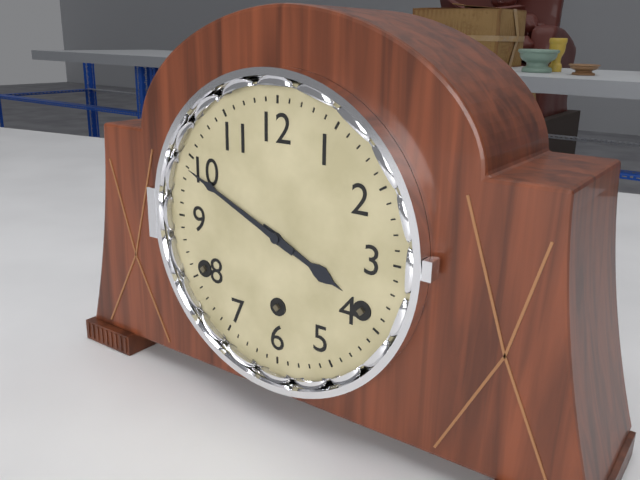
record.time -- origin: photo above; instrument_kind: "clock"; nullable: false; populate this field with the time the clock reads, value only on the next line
3:49
